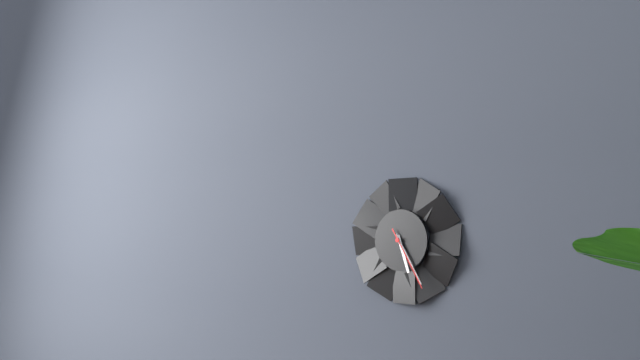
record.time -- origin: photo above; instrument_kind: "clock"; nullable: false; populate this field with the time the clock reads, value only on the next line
5:25:25
